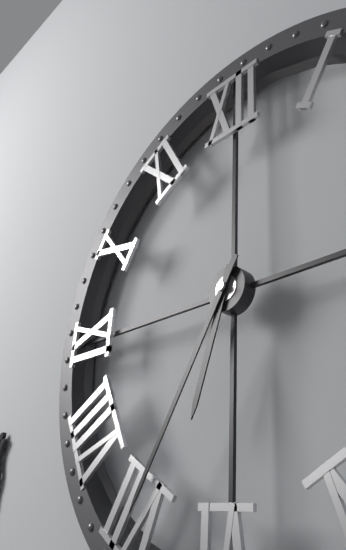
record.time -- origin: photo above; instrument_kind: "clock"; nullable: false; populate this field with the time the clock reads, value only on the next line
6:35
